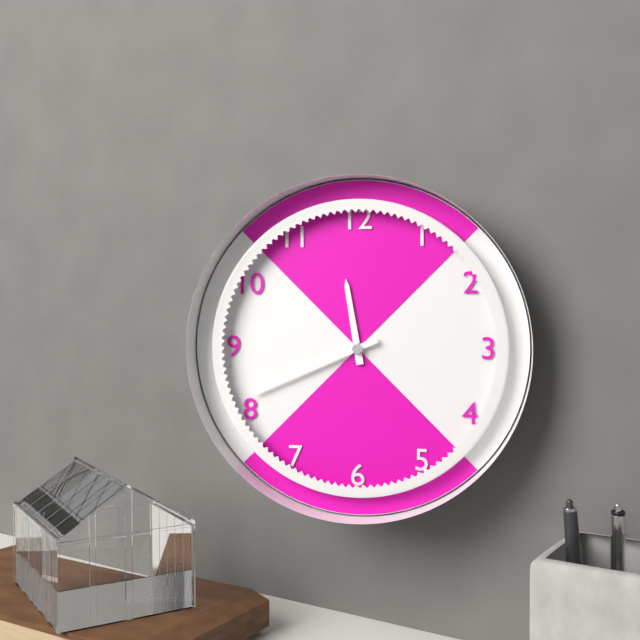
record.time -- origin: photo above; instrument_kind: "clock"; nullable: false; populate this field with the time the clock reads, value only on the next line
11:41
